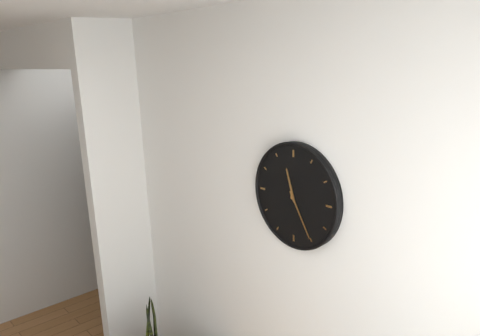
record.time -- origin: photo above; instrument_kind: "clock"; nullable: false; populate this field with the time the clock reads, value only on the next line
11:25
